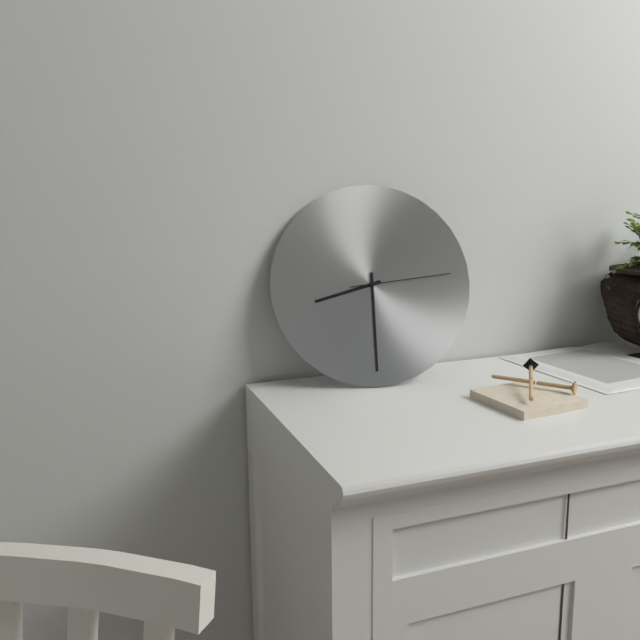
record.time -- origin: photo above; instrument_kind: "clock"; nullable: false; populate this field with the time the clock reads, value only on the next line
8:30:14
